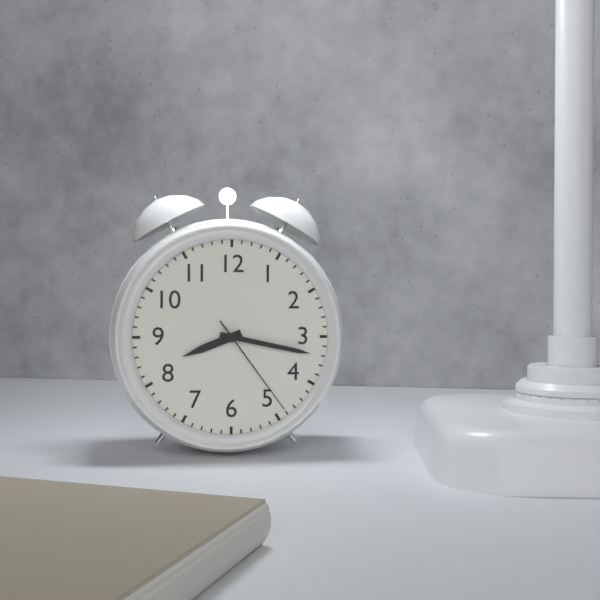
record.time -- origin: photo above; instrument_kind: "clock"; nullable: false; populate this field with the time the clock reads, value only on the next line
8:17:24
